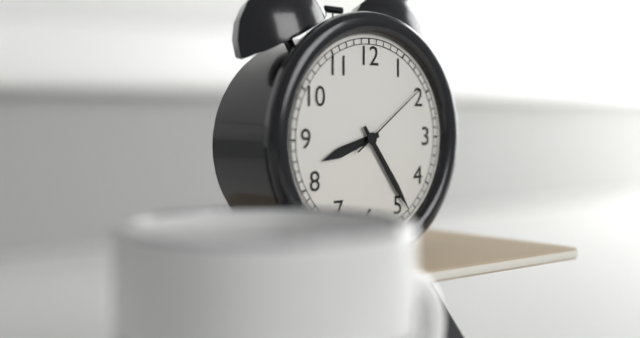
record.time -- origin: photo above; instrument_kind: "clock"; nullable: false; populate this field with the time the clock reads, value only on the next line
8:24:09
